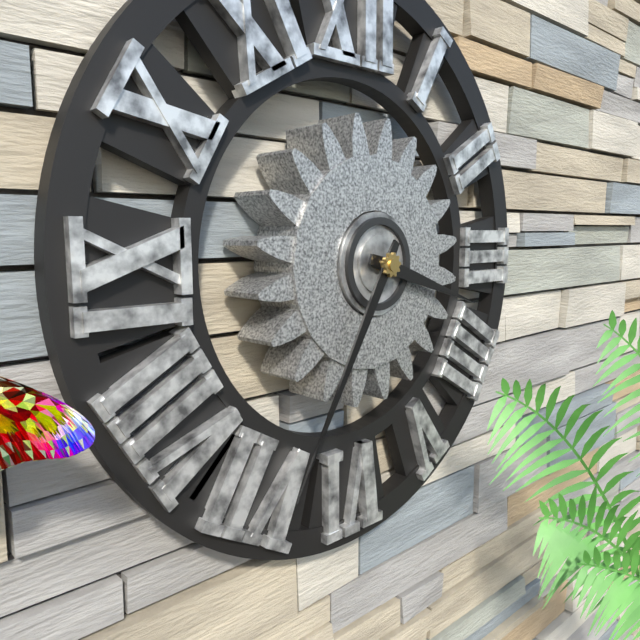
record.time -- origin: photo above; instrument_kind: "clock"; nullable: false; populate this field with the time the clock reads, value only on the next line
3:35
